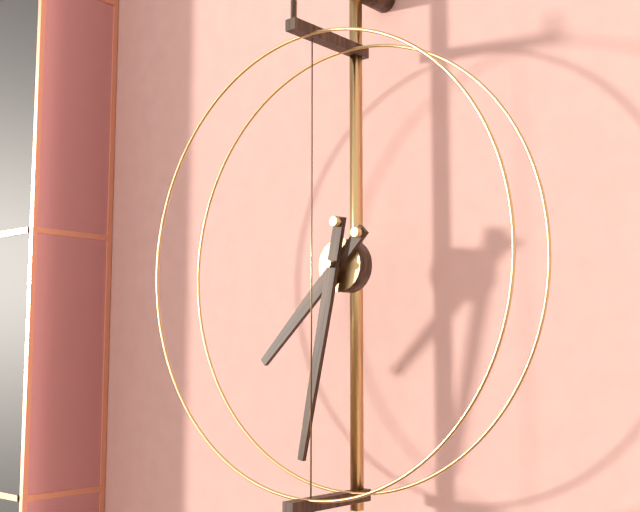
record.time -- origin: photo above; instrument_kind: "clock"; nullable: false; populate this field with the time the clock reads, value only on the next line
7:32
